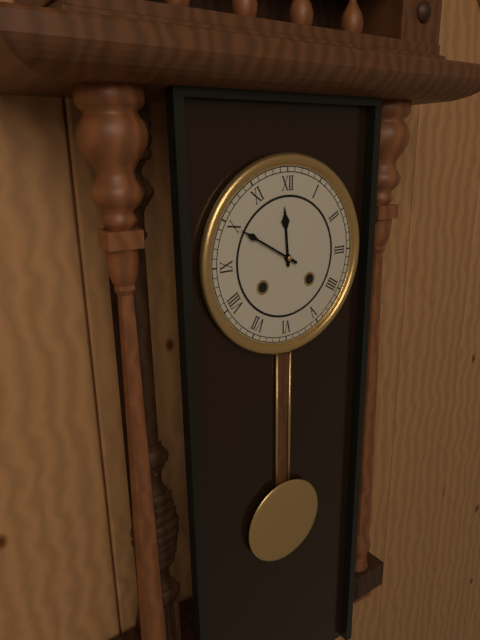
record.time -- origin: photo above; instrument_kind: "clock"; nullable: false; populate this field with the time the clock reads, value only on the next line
11:50
